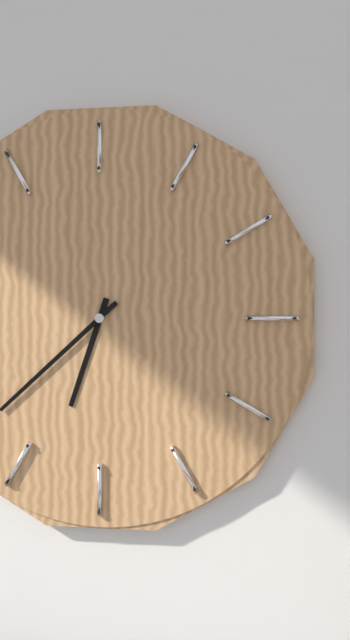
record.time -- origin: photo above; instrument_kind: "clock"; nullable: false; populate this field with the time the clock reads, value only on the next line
6:38
